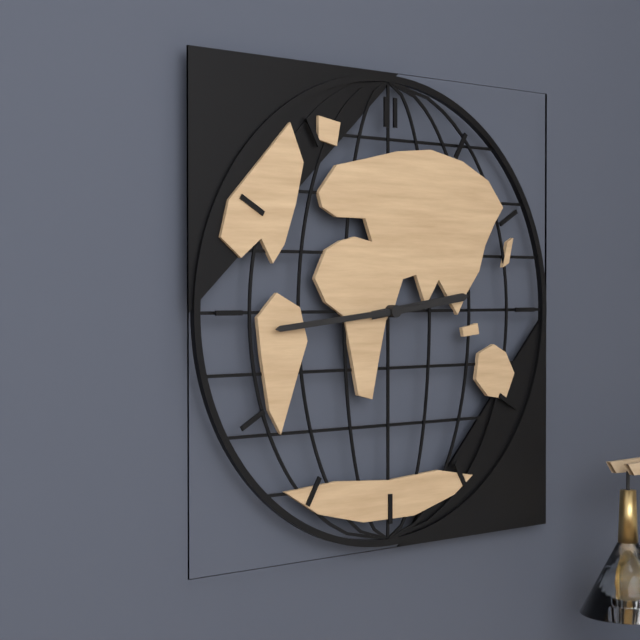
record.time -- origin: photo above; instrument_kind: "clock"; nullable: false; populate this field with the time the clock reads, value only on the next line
2:44
